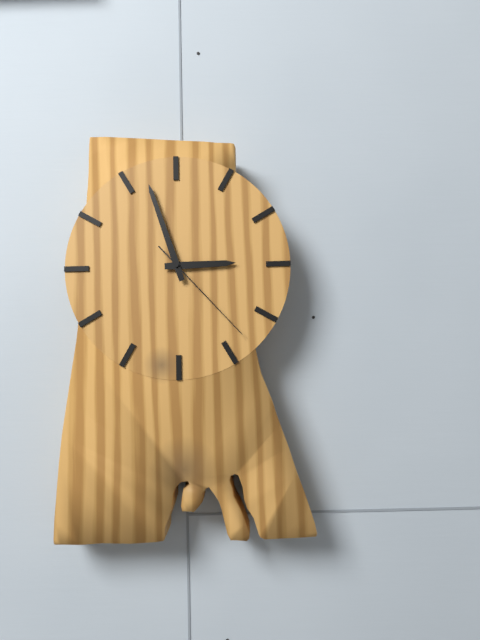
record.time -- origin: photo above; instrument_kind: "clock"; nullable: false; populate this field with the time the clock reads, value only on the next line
2:57:23
